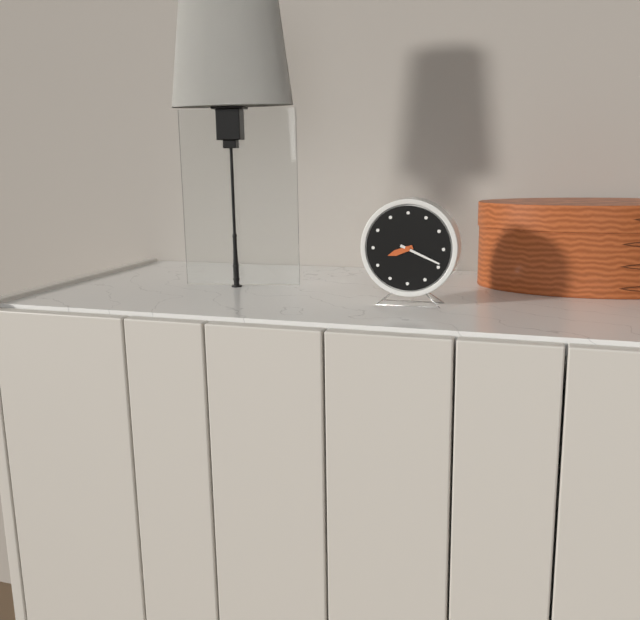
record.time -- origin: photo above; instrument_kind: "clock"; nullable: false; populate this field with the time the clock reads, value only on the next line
8:19
